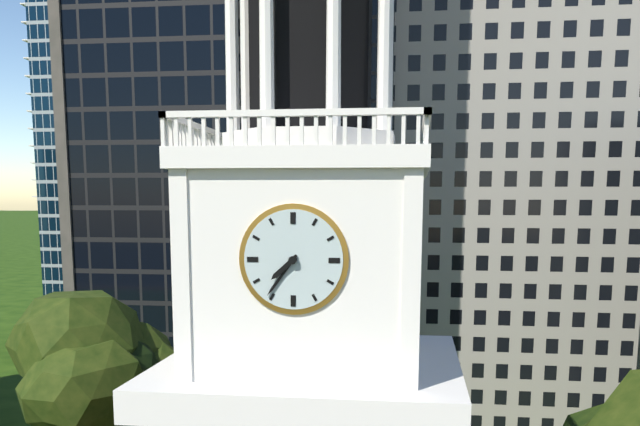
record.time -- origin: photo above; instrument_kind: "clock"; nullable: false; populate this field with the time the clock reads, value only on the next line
7:36
